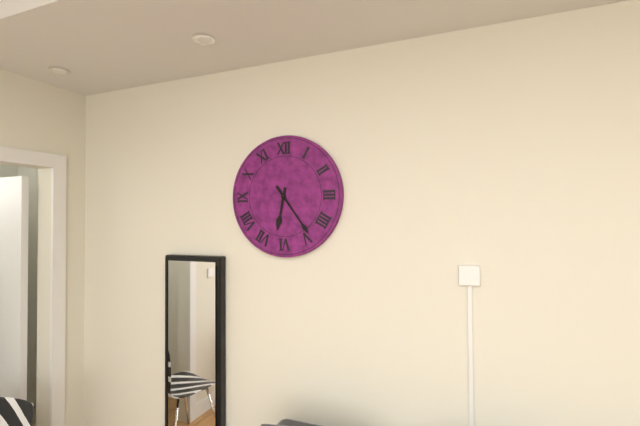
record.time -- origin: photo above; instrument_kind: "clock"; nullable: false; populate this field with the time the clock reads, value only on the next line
6:24
